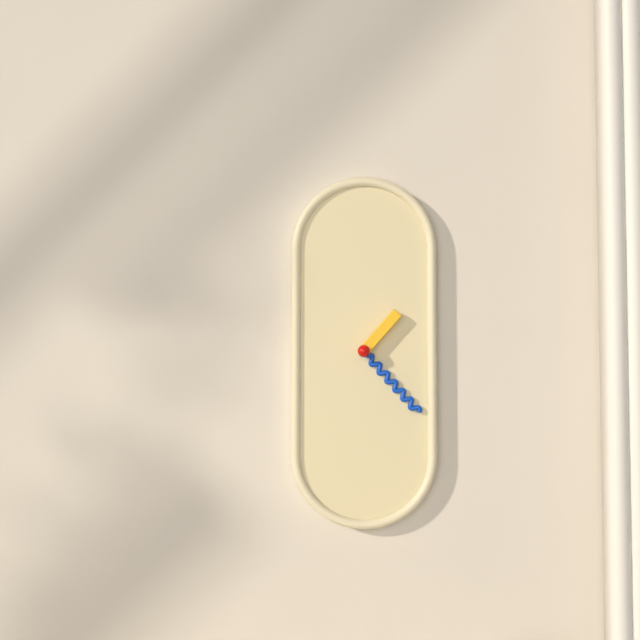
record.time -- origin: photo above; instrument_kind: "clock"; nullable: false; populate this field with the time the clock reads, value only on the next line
1:23
